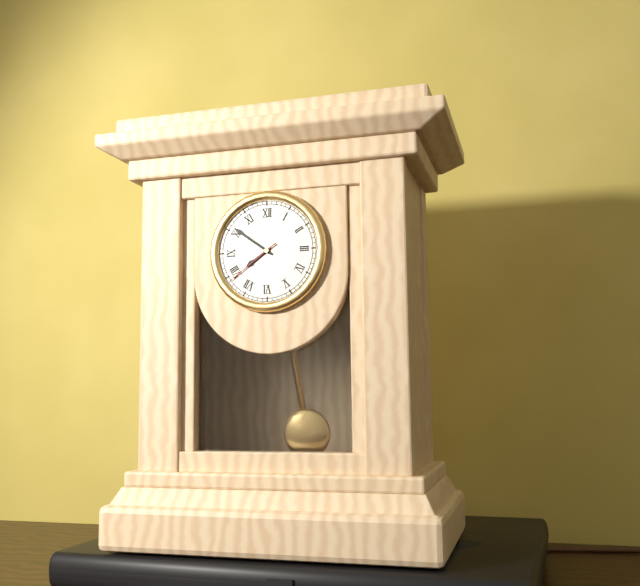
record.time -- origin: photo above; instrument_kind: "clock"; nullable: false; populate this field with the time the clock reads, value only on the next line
7:51:39
